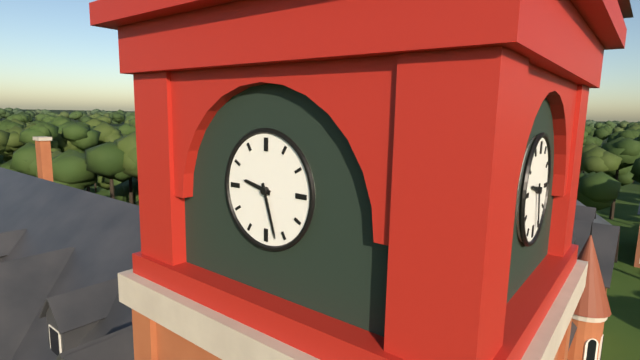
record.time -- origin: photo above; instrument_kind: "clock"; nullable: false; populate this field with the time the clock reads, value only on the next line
9:27
